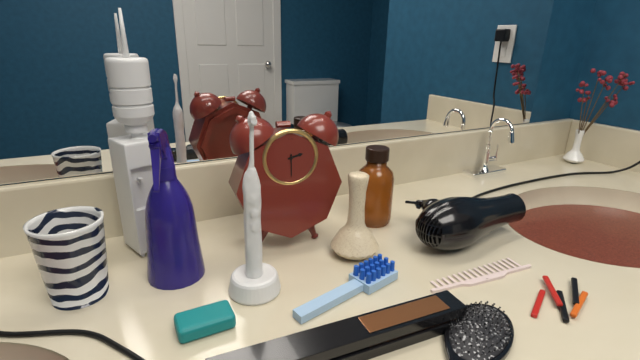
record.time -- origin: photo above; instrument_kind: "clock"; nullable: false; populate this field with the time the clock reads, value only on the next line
2:30
